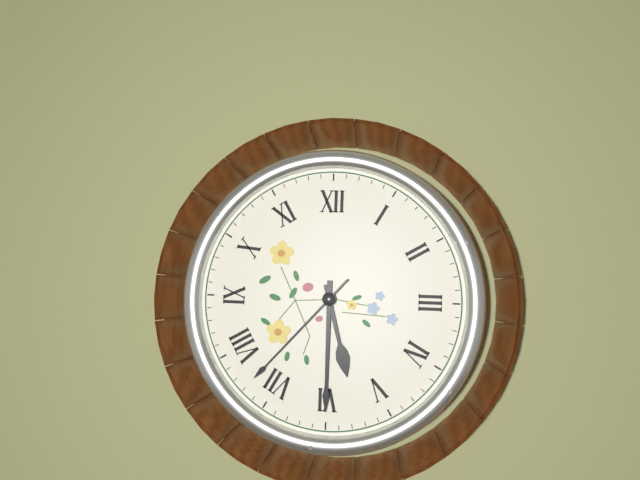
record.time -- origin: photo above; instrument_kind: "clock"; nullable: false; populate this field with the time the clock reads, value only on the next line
5:30:37
